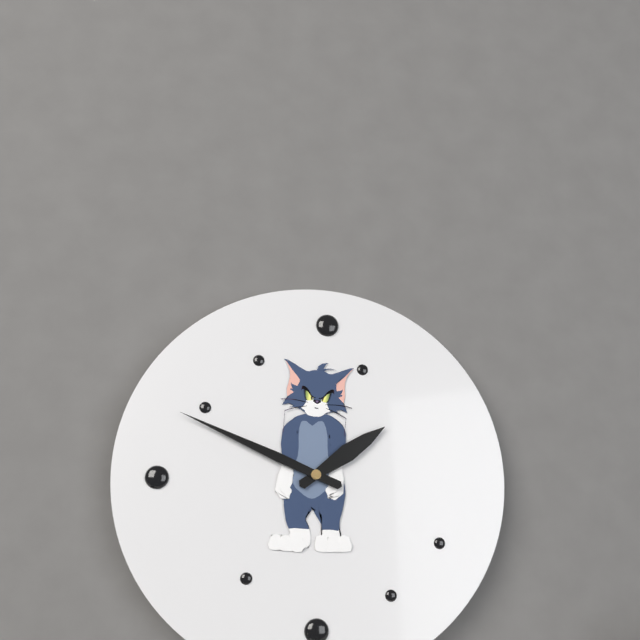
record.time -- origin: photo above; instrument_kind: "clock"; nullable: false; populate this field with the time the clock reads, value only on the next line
1:49
